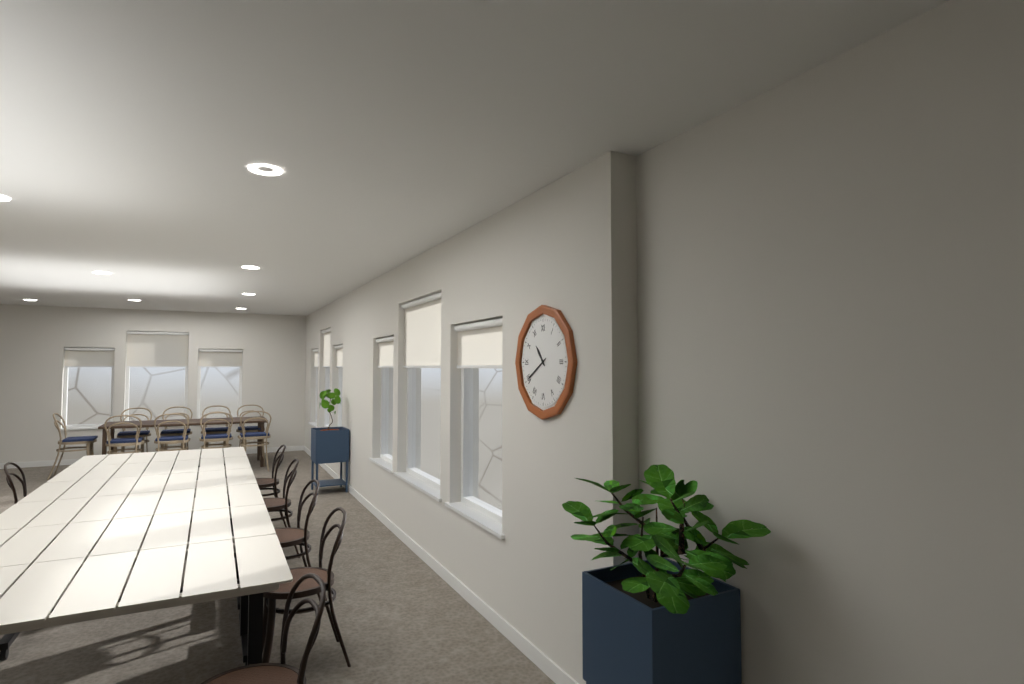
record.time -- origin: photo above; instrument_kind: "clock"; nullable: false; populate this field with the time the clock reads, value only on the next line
10:40
